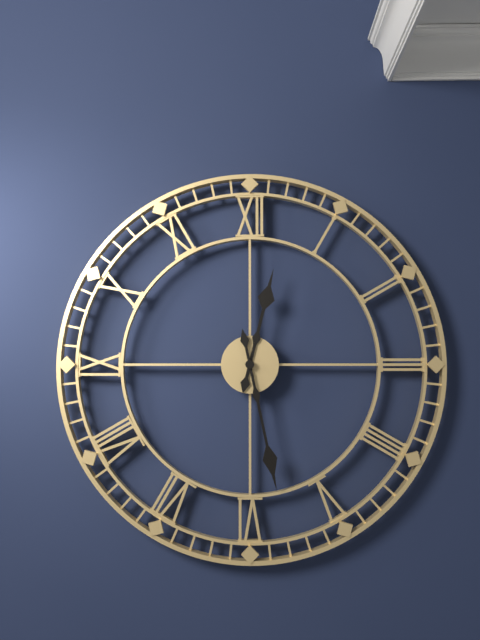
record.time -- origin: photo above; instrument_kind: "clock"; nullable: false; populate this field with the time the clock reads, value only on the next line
12:28
